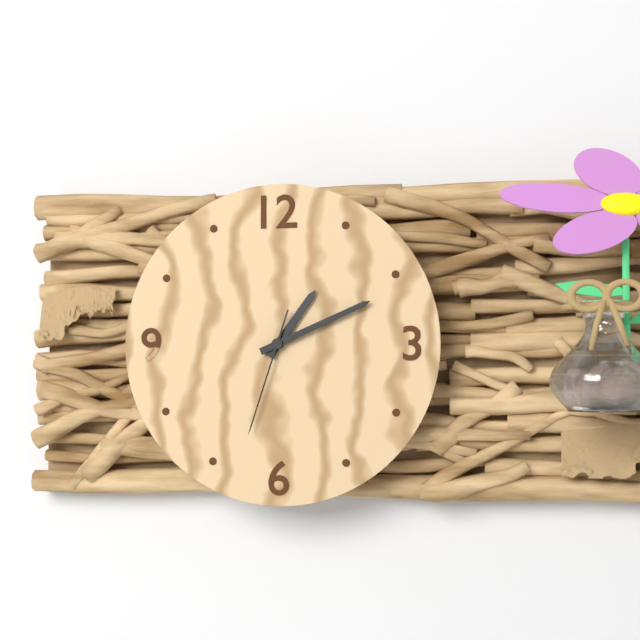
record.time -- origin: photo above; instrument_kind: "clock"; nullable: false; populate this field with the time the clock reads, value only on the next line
1:11:33
